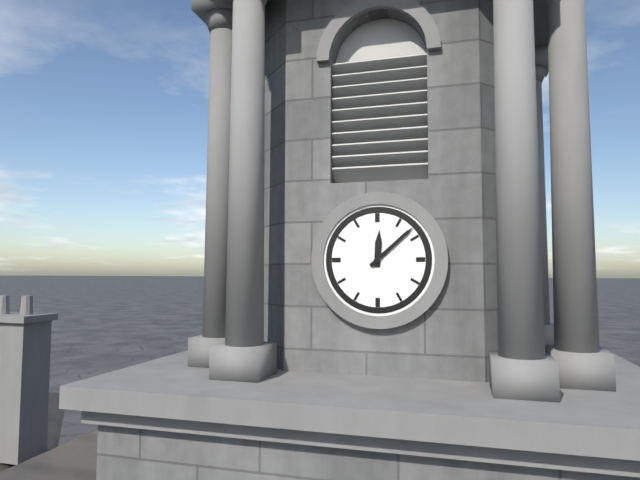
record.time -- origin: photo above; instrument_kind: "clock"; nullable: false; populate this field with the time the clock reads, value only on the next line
12:08
